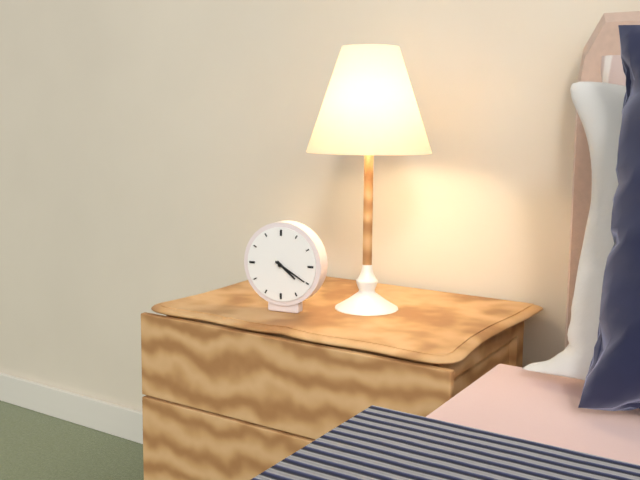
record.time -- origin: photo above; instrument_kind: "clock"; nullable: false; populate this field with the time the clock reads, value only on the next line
4:20
